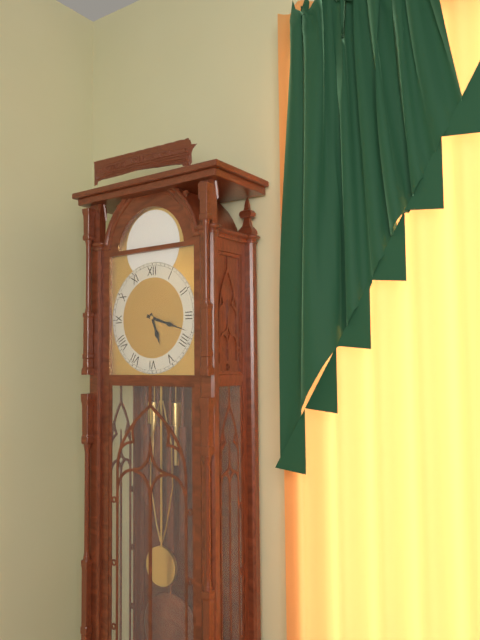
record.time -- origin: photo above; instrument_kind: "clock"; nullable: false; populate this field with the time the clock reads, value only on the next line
5:18
